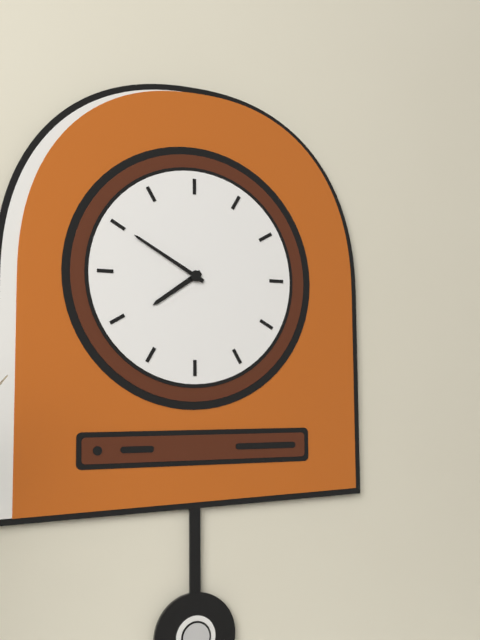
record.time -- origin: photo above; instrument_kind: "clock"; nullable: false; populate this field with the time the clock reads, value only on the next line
7:50
